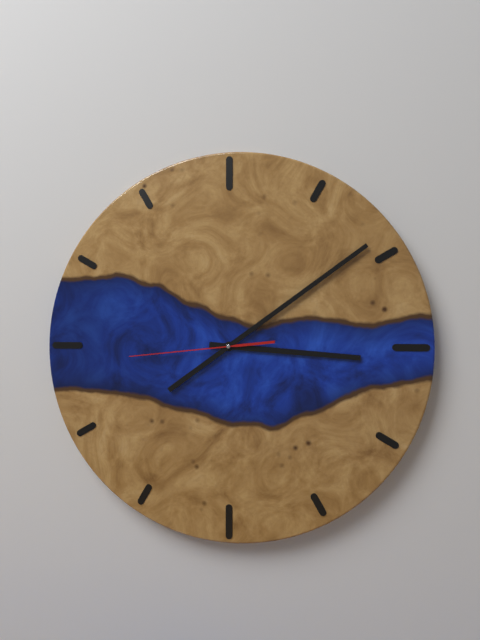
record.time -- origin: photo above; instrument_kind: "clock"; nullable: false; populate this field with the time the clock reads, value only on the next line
3:09:44
